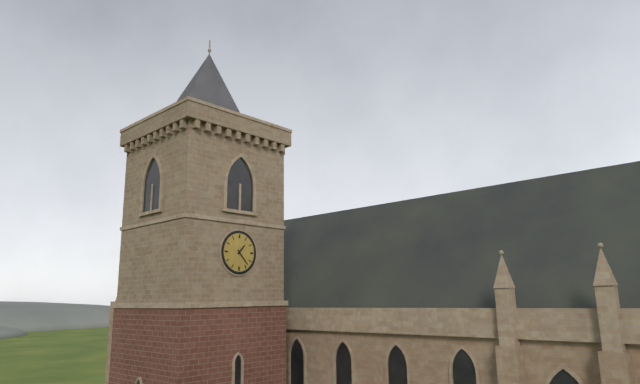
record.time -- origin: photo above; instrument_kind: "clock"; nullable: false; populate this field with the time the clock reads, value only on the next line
1:23
